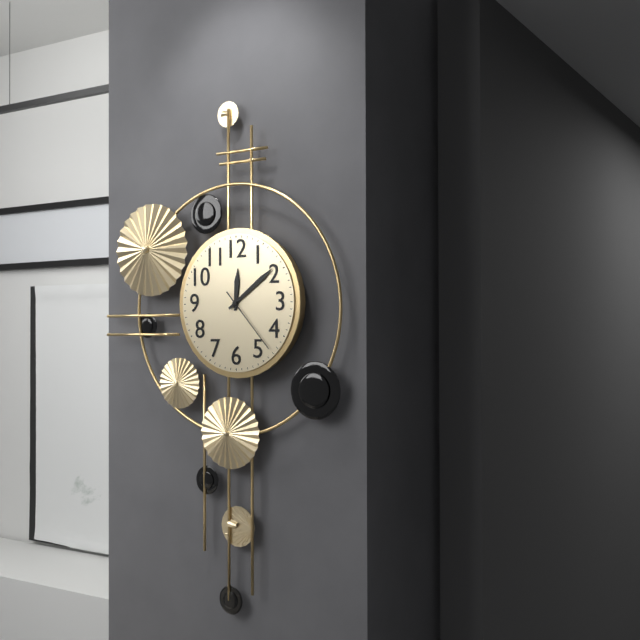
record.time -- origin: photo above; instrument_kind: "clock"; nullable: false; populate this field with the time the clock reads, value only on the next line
12:09:23
